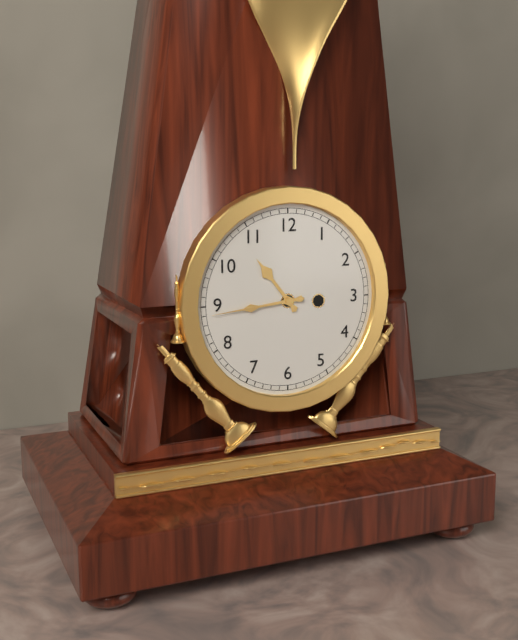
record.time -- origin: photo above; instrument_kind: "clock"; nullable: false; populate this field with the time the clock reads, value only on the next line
10:44
